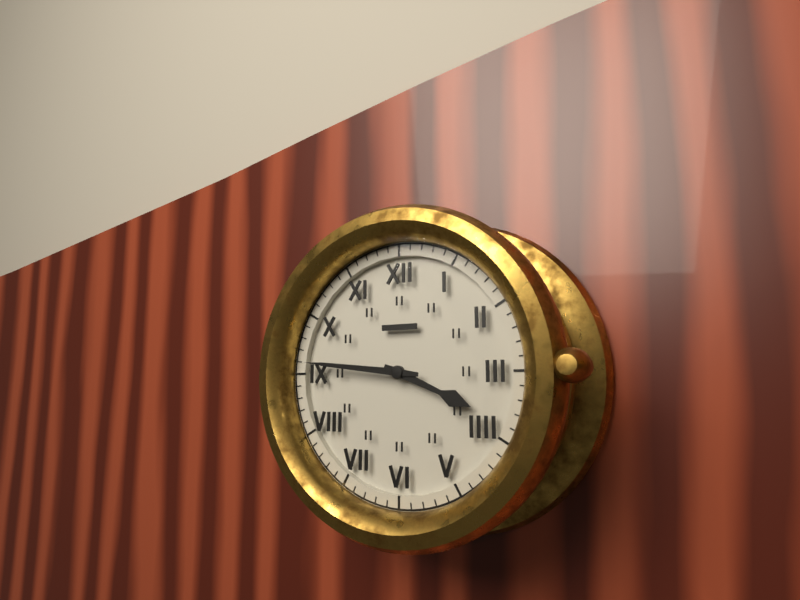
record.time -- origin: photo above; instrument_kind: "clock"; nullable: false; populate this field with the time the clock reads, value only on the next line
3:46
